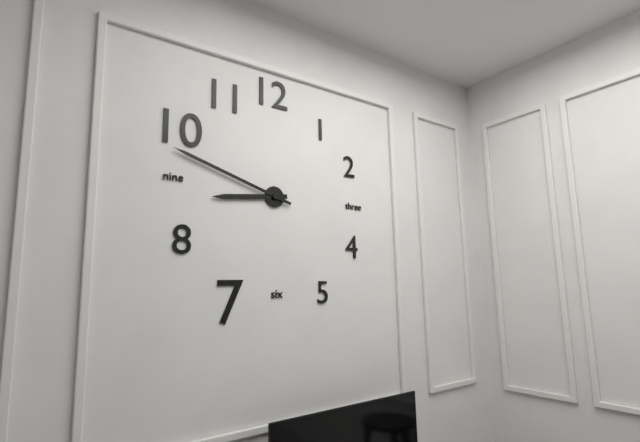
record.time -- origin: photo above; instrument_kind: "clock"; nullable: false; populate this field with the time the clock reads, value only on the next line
8:48
